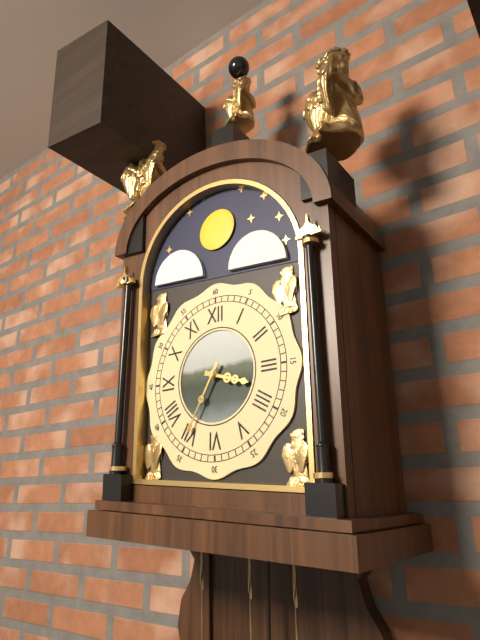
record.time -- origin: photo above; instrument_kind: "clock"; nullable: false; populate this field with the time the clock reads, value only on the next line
3:35
